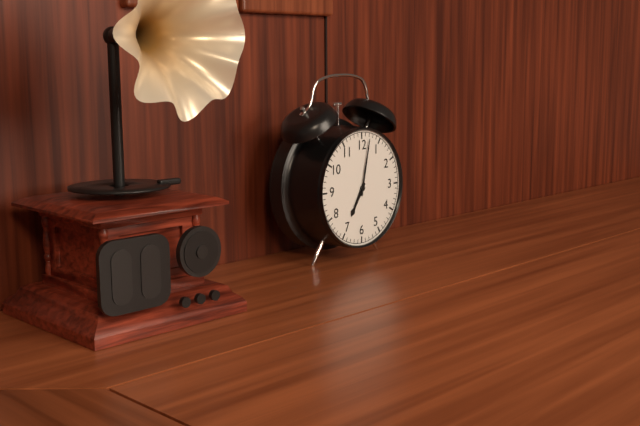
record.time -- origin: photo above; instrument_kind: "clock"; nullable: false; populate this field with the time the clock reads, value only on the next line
7:02
